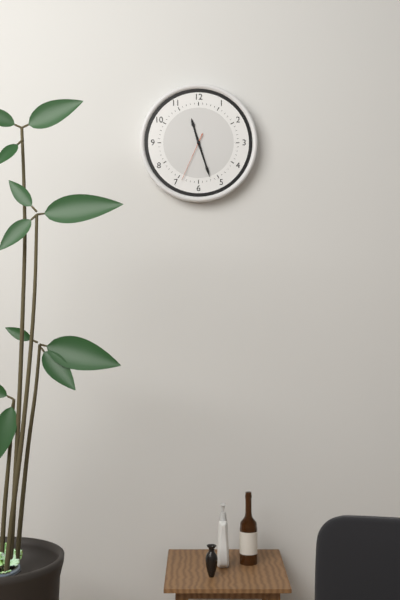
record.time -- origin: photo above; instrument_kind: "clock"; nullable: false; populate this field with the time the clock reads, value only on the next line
11:27:34
